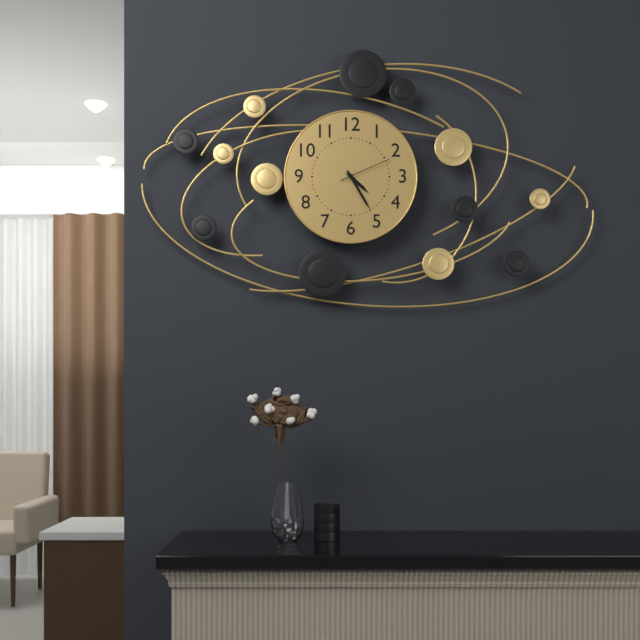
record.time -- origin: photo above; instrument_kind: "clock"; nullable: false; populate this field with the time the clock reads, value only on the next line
4:25:11
